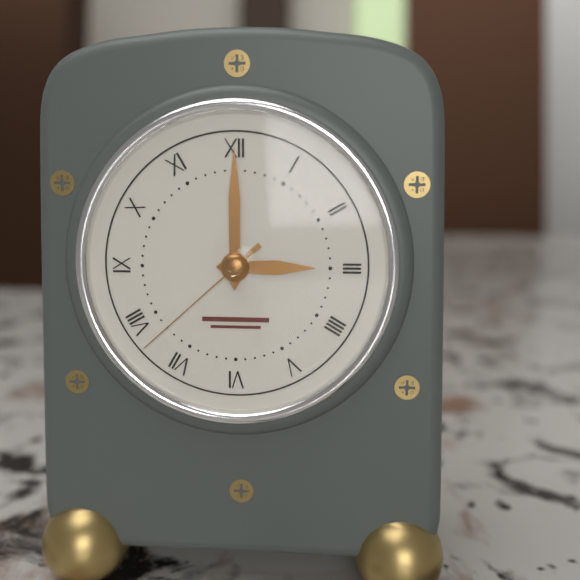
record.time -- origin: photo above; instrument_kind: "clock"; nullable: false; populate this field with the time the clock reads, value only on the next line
3:00:38
